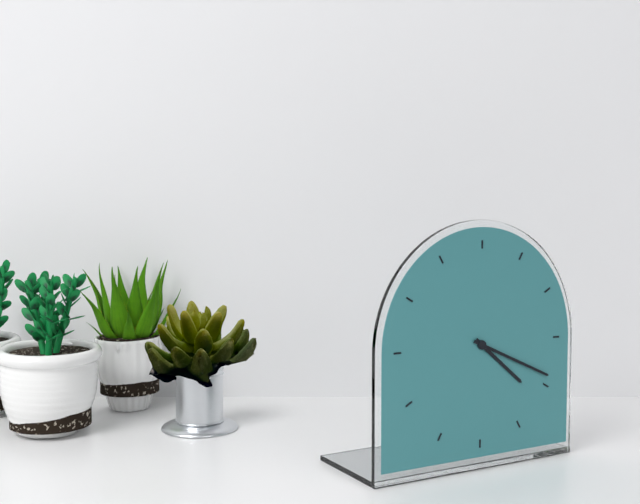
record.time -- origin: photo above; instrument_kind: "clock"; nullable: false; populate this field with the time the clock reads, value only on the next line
4:19
